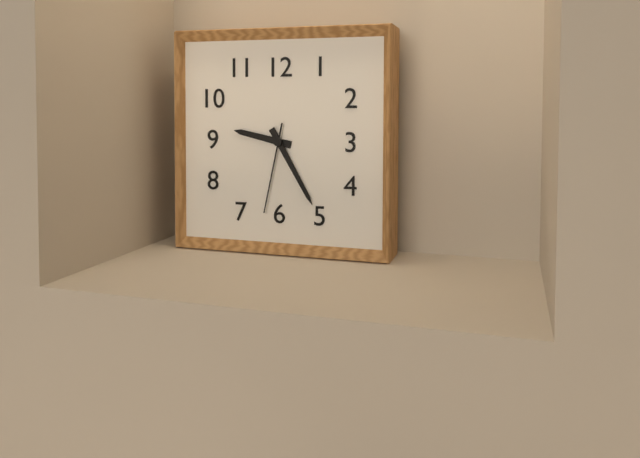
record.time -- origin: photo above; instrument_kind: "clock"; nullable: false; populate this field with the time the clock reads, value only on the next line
9:25:32
